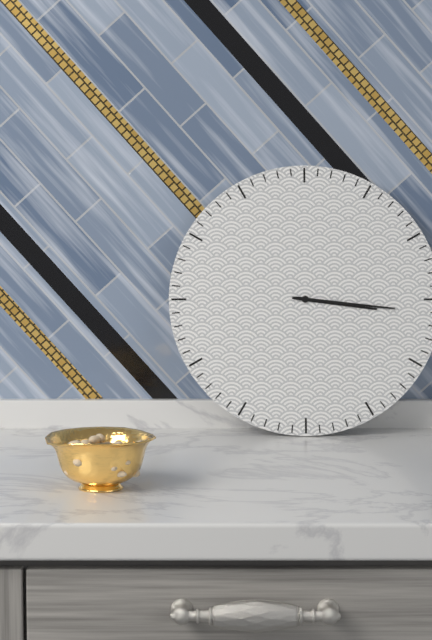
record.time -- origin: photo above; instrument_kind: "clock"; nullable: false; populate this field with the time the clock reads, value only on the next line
3:16
